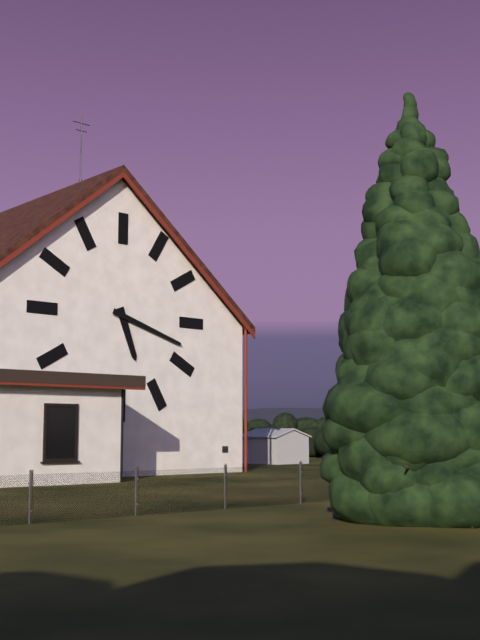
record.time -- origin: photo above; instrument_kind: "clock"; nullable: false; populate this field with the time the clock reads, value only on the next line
5:18
